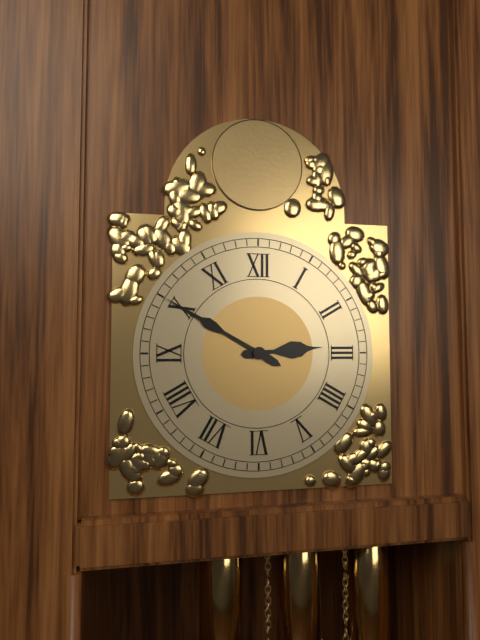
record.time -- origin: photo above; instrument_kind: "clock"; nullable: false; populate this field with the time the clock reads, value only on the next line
2:50
